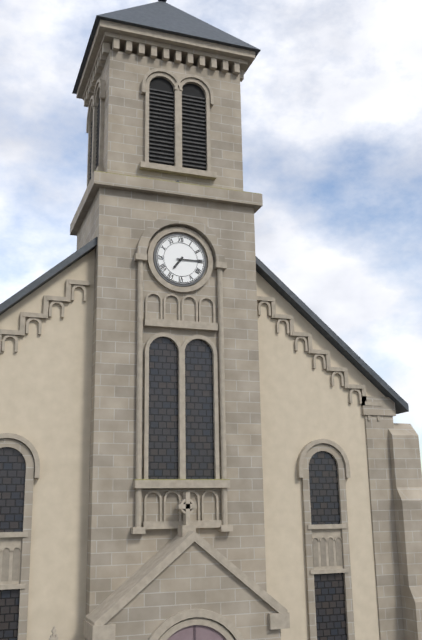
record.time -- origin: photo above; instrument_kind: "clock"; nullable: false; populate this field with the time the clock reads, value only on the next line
7:15
